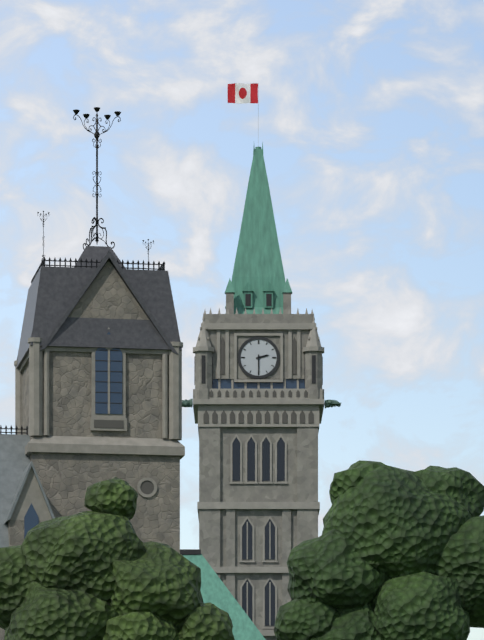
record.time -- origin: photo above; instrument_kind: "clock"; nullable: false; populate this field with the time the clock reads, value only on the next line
2:30
